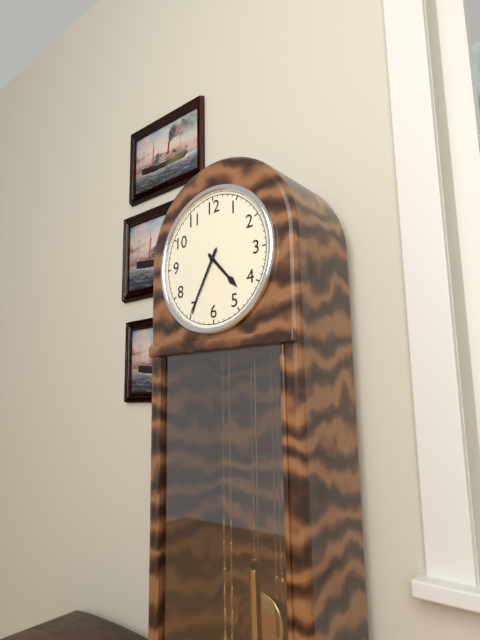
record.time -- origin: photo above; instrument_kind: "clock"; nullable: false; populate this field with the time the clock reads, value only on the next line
4:35
